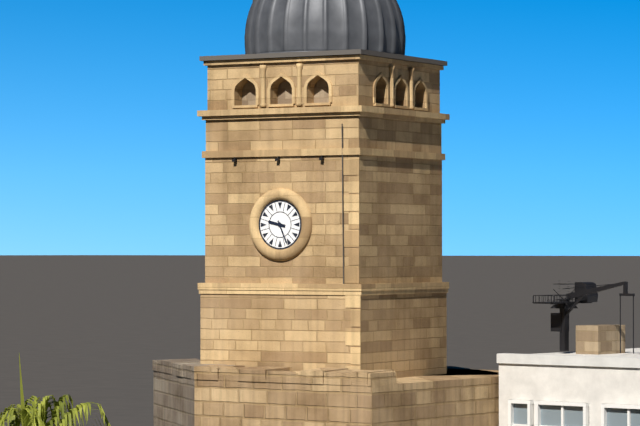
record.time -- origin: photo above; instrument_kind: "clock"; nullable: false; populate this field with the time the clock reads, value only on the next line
9:26
